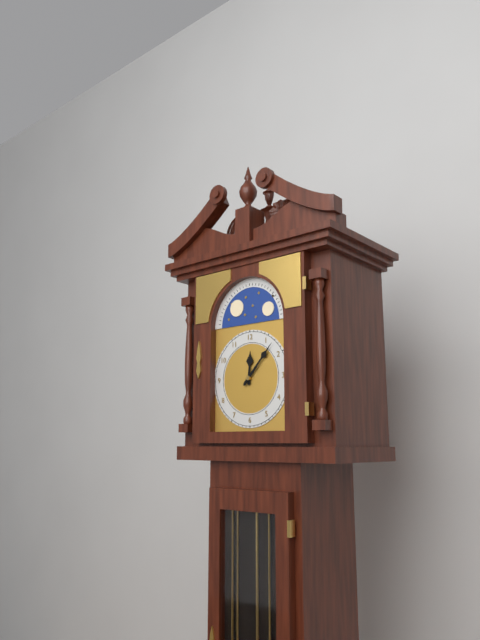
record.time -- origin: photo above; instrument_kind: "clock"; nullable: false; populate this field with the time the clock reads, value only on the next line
12:07
